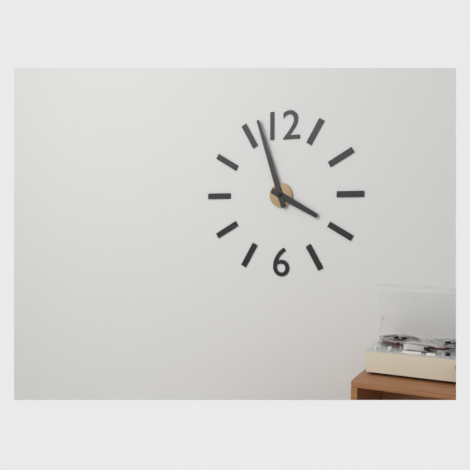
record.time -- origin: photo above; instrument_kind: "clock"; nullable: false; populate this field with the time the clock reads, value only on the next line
3:57
